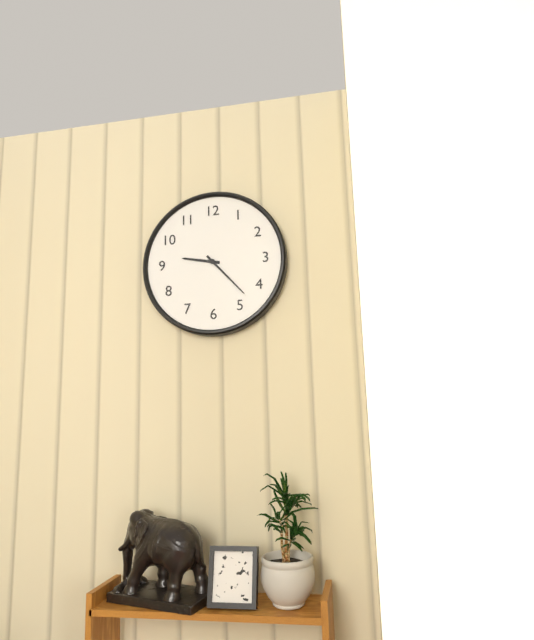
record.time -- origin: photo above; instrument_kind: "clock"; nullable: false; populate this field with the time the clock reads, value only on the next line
9:23
